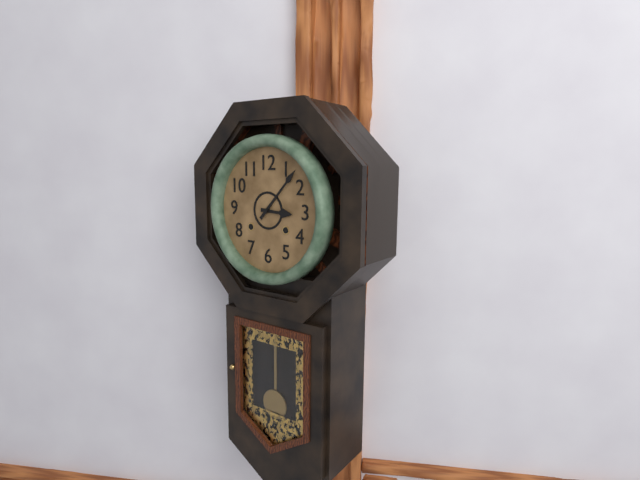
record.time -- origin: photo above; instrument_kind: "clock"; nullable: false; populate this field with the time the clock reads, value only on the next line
3:07
